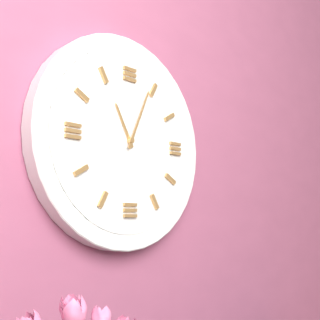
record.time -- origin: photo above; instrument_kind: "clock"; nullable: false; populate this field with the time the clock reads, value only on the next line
11:04
